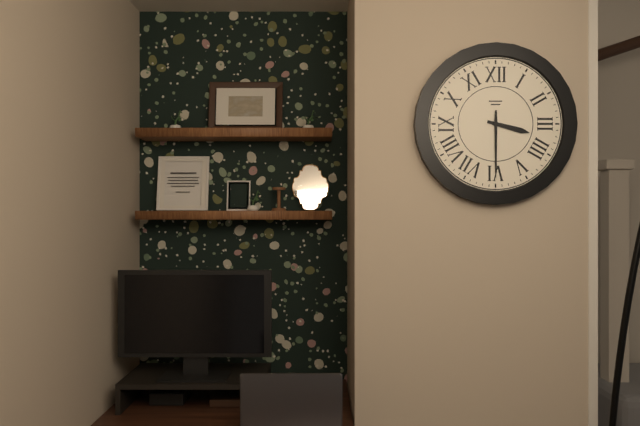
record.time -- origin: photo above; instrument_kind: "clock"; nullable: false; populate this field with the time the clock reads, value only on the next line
3:30
